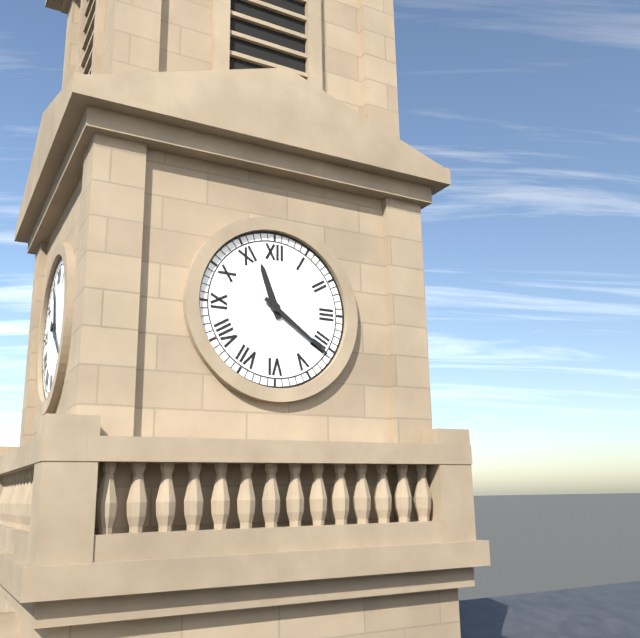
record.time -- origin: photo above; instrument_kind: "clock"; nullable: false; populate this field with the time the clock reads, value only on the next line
11:21
